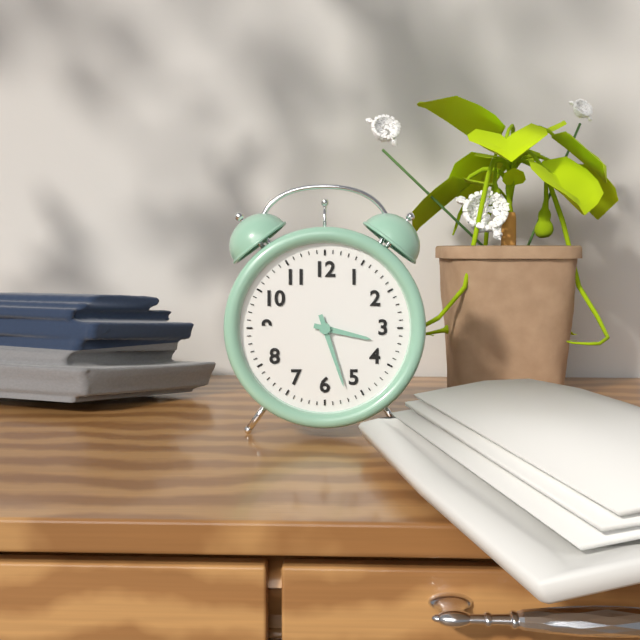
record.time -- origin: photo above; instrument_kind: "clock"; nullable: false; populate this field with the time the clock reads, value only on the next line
3:27
